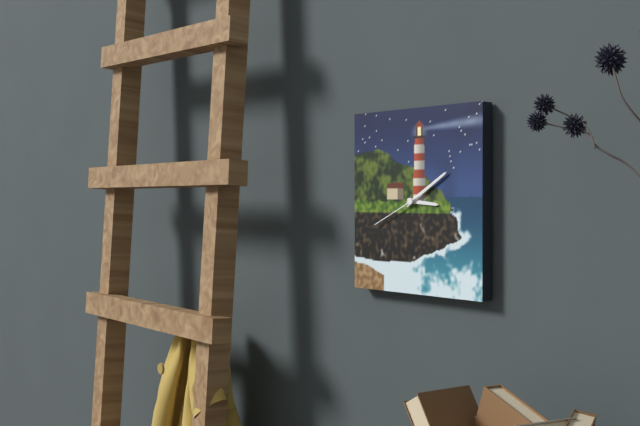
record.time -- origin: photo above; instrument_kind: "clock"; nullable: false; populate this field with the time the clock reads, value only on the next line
3:10:41
